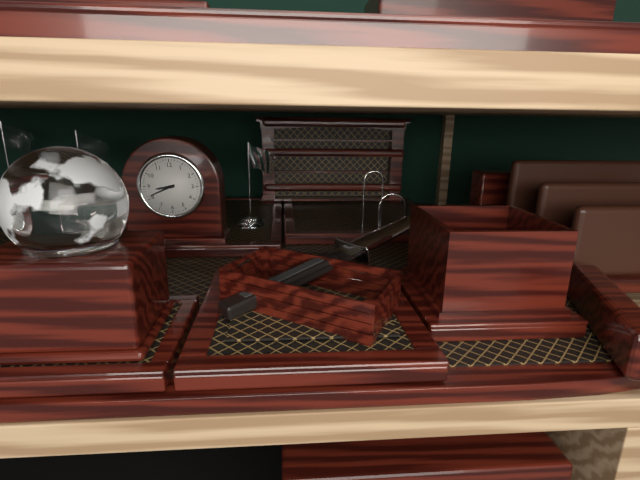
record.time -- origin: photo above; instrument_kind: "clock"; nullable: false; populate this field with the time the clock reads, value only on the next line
8:41
